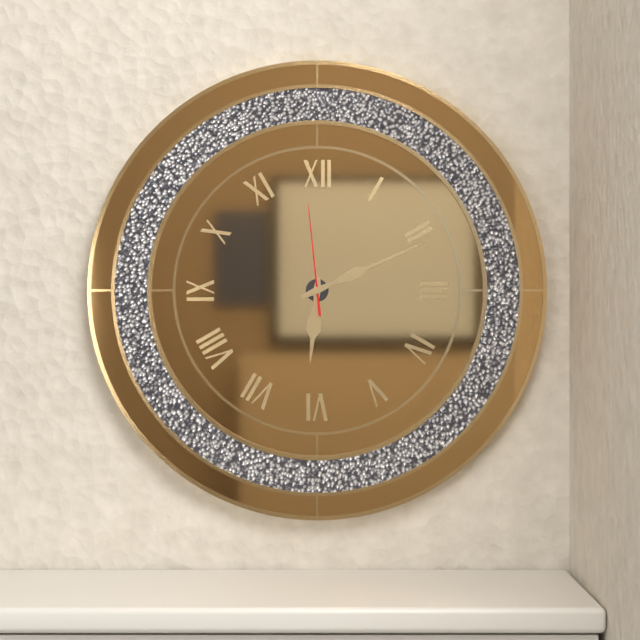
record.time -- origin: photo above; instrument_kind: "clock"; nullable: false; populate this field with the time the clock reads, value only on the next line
6:11:59
